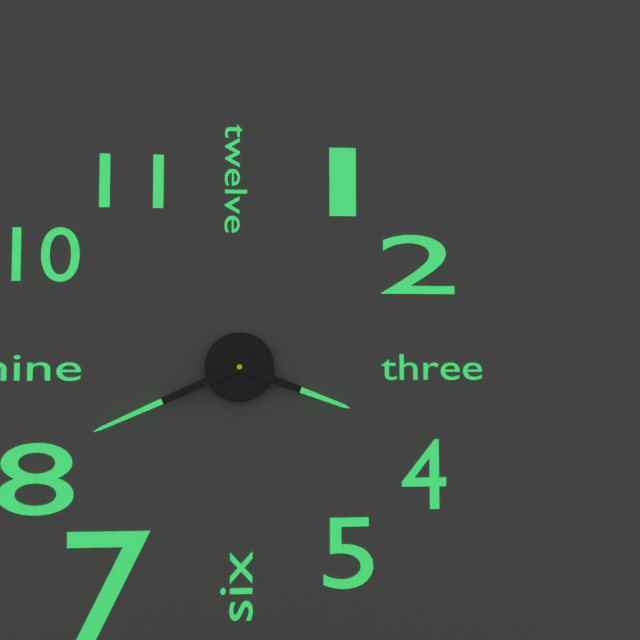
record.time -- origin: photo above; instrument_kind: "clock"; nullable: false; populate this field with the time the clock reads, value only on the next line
3:41
